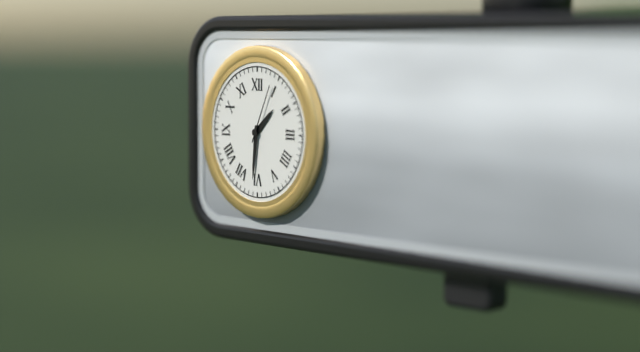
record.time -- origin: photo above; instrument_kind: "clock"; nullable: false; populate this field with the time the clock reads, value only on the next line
1:31:04
